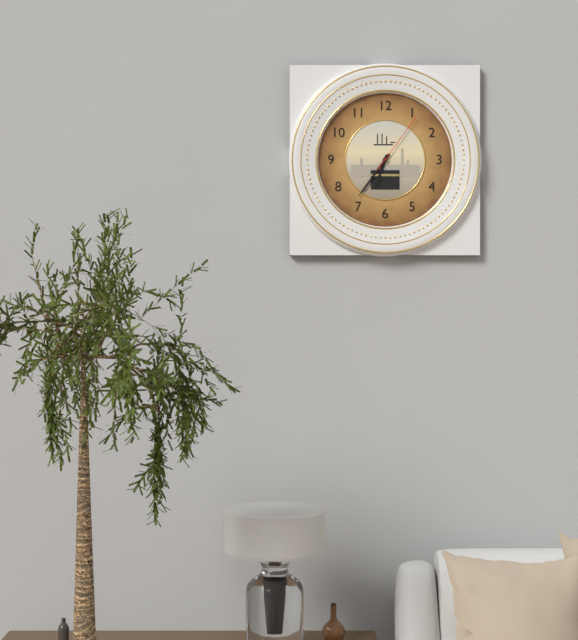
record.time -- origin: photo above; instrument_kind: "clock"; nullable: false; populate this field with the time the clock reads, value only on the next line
6:36:06
